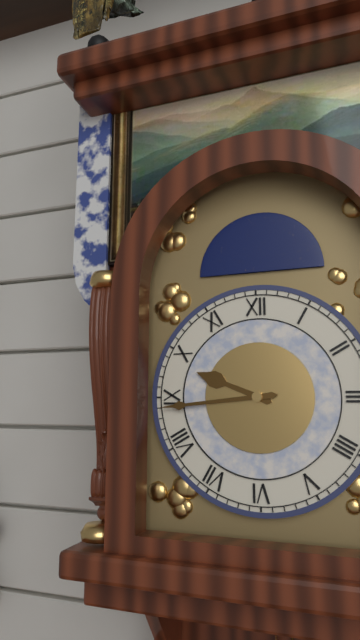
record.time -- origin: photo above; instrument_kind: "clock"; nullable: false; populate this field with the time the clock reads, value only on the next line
9:44
